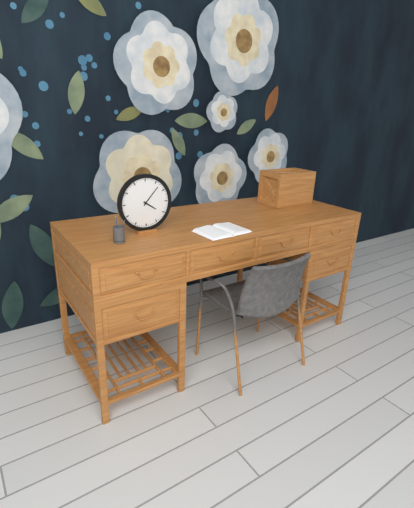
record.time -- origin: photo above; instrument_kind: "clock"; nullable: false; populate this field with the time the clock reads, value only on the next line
4:07
